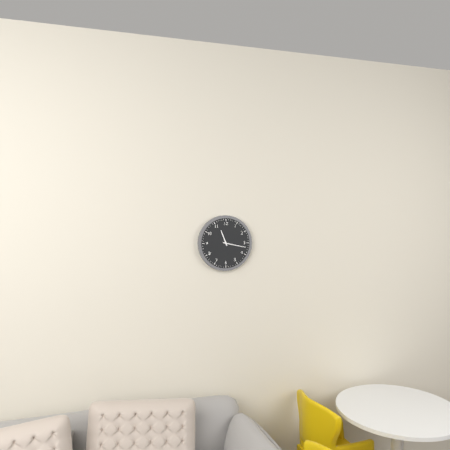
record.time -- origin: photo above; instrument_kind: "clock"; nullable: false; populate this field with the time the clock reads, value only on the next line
11:17
